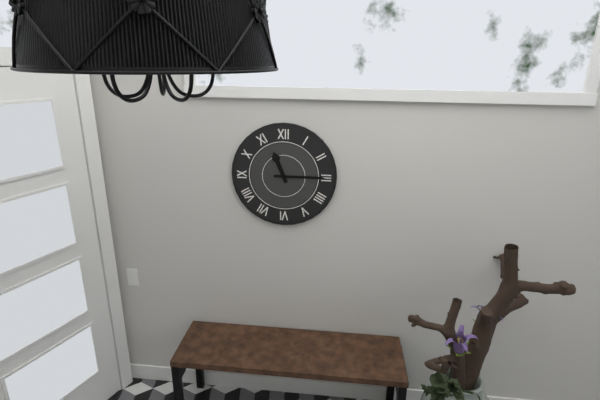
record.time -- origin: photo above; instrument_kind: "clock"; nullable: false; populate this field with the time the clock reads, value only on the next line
11:15
